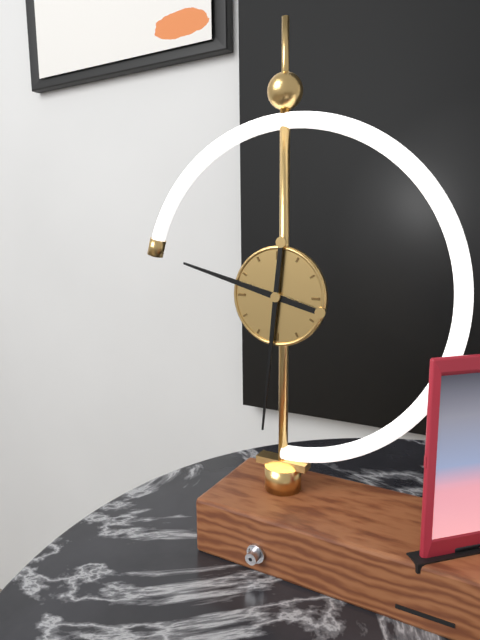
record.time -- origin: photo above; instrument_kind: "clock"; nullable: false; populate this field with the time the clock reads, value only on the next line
9:31
